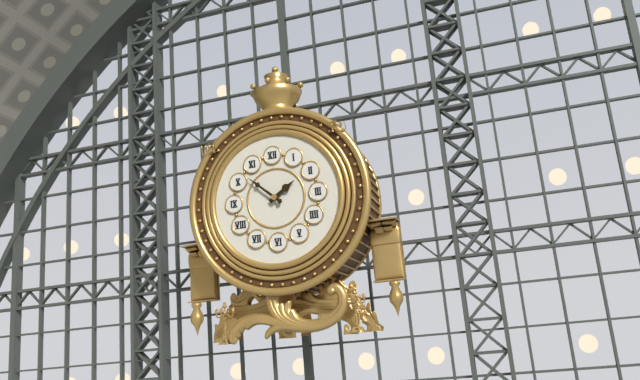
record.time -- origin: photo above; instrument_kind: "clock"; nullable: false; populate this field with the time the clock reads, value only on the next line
1:52
